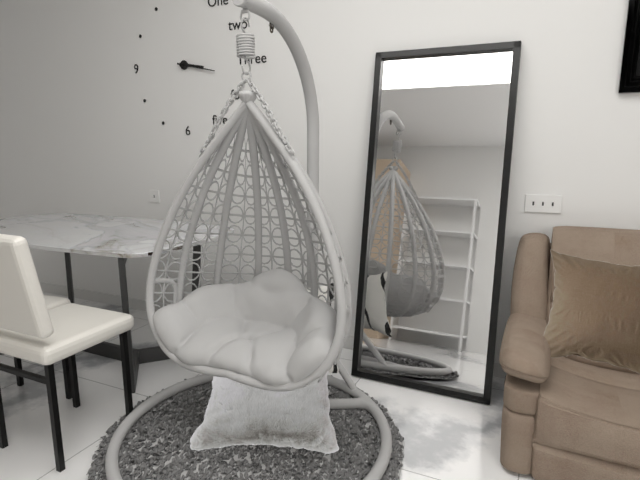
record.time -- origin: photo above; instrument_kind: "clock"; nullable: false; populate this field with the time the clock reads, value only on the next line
3:17
